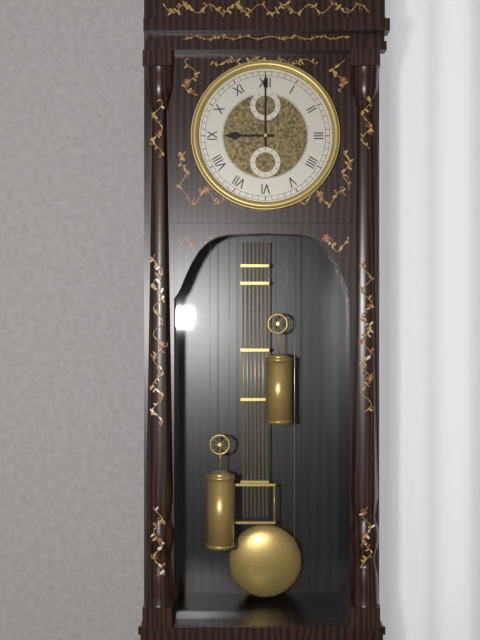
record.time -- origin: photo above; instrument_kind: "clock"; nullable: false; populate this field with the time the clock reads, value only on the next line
9:00
